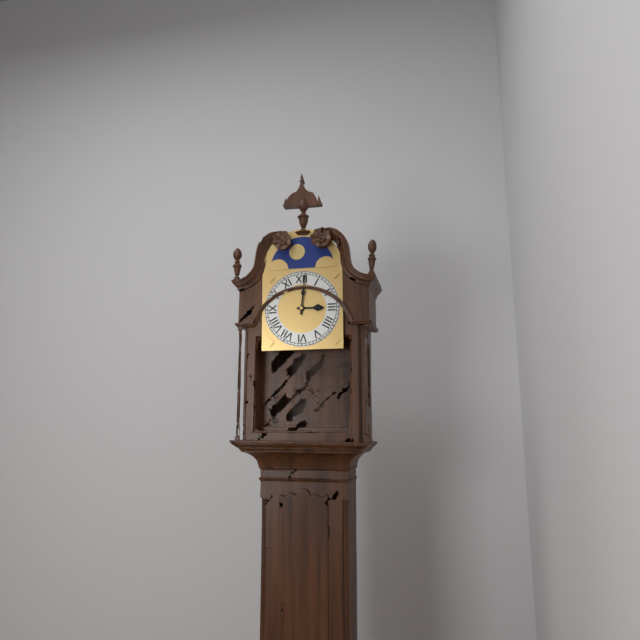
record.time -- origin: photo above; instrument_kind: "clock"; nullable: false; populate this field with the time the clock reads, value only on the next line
3:01
